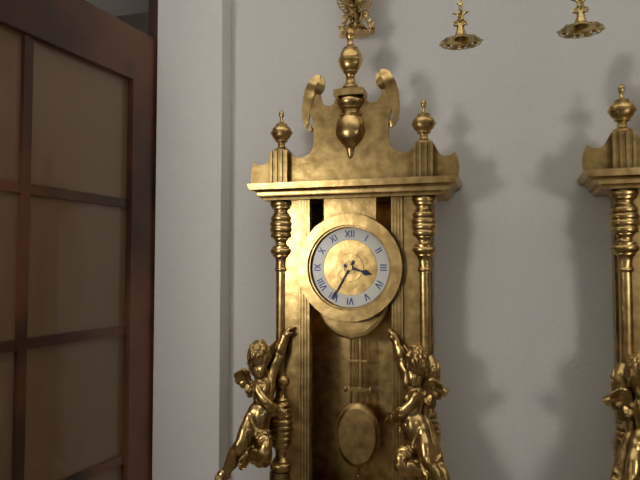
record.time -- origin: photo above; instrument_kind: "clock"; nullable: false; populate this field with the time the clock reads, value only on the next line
3:35
